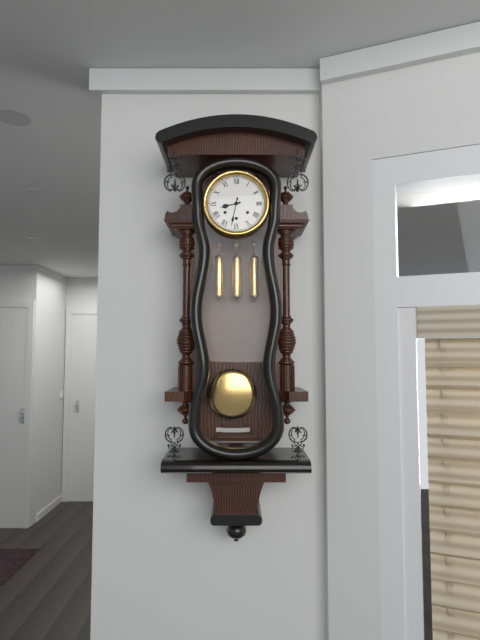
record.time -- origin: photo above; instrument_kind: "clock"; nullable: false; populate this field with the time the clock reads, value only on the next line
8:32
